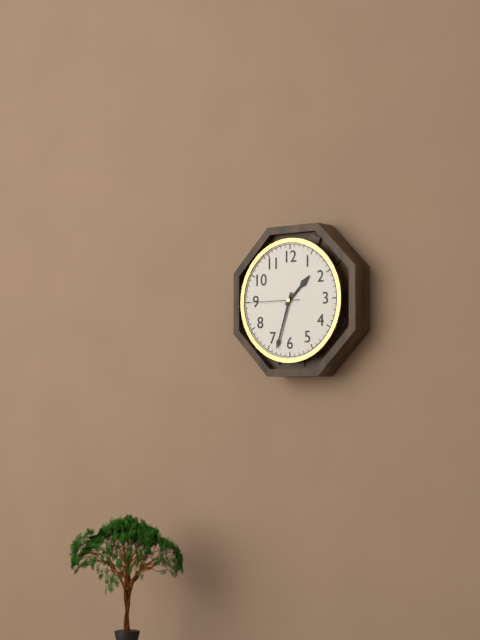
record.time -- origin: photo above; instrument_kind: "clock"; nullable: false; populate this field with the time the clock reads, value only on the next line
1:33:45
